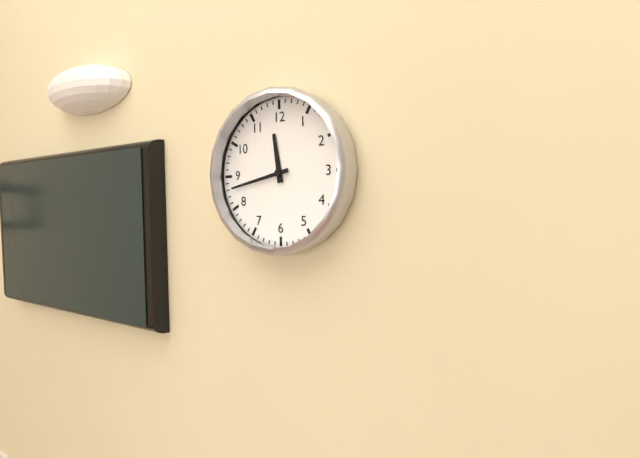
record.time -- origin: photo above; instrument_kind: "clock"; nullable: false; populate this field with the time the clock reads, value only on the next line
11:43
